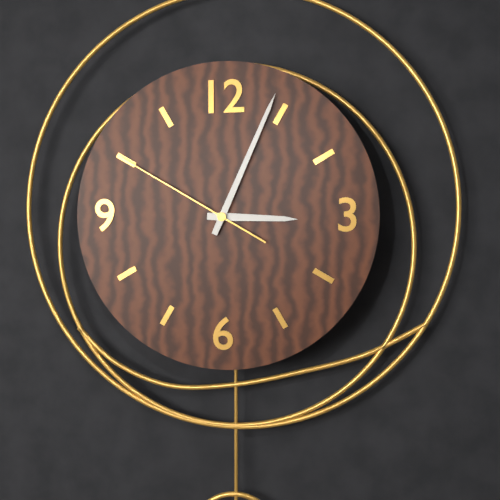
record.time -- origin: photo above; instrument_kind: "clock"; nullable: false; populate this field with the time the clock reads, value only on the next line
3:04:50
